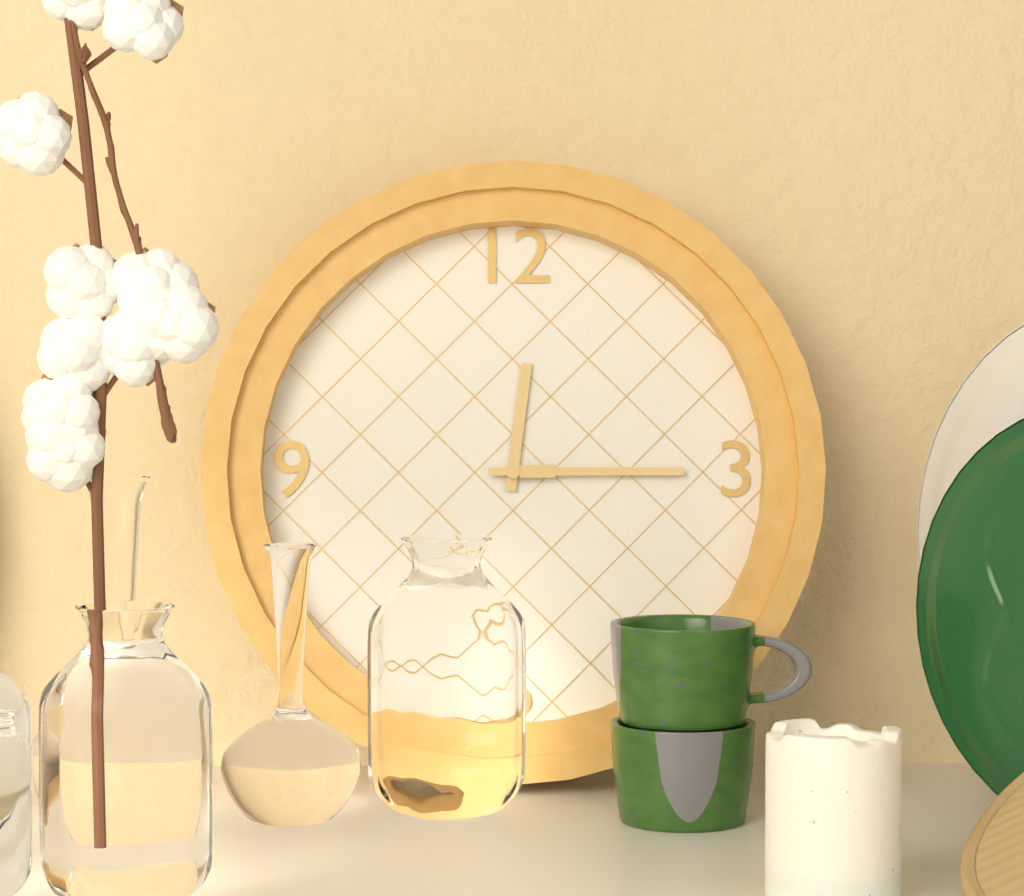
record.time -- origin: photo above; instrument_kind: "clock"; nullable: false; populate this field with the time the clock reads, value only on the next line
12:15
